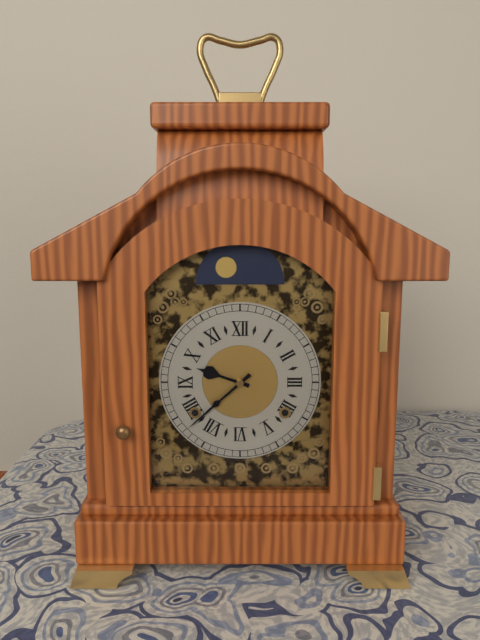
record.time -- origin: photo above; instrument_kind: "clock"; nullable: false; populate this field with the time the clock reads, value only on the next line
9:38
